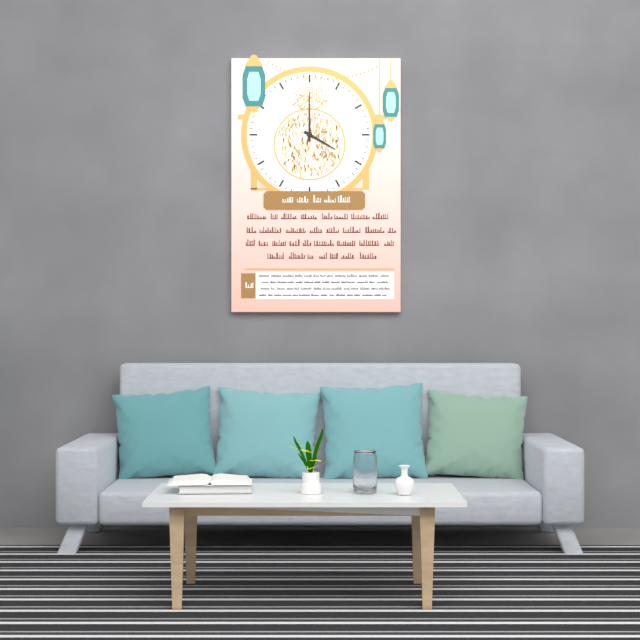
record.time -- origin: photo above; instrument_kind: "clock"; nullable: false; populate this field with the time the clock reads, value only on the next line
4:00
